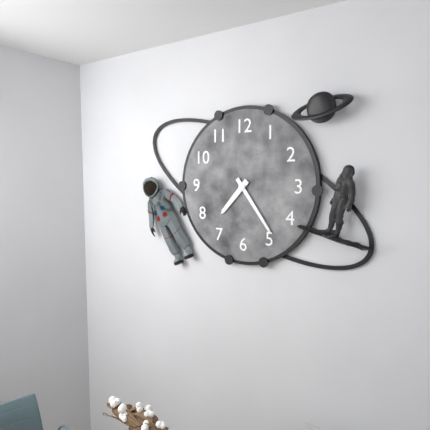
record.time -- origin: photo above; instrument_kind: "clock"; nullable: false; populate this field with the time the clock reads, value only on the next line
7:24
